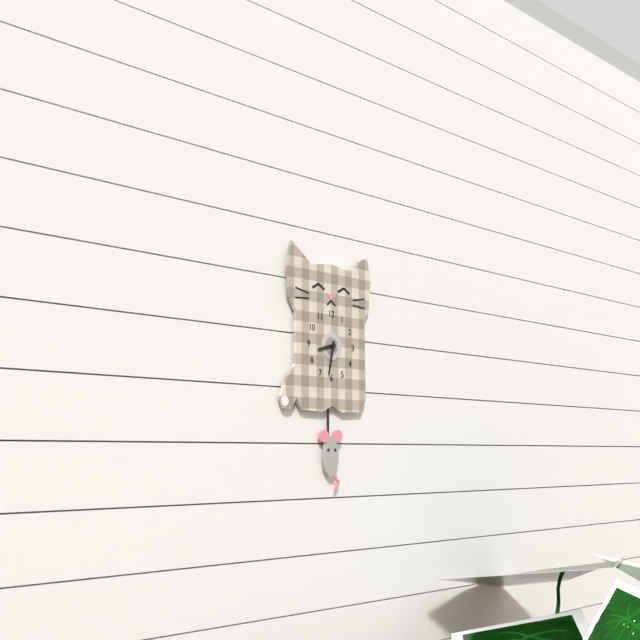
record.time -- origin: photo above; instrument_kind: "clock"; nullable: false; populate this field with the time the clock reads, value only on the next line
8:32
